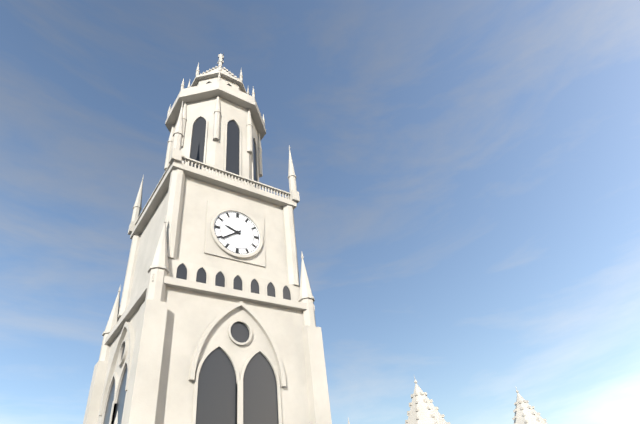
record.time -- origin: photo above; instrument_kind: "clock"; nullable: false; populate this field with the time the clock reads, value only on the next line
9:39
